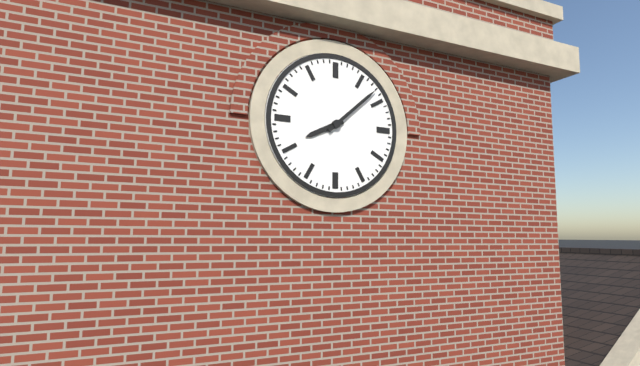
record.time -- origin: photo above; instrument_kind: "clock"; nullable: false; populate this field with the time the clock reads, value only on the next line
8:08
